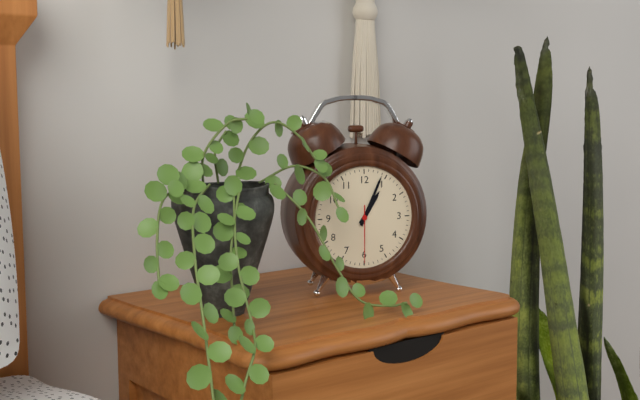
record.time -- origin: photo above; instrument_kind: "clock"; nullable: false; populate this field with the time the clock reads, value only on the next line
1:04:30
